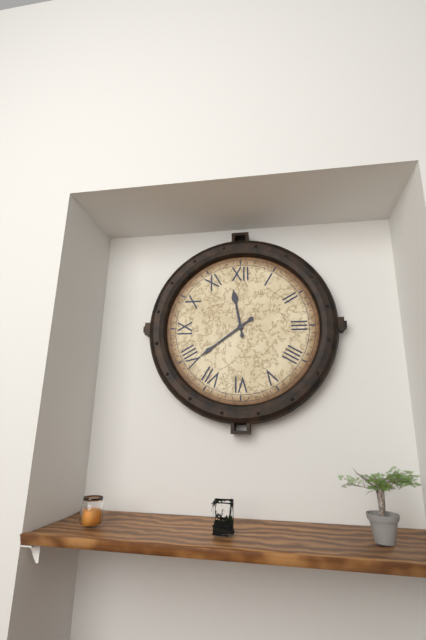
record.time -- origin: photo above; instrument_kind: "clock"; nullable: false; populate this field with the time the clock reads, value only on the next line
11:39
